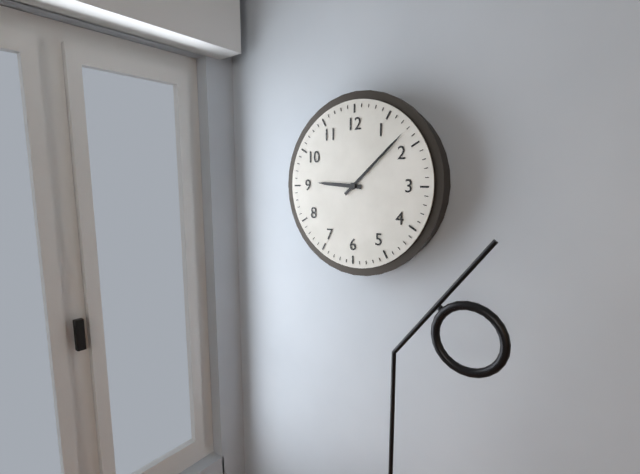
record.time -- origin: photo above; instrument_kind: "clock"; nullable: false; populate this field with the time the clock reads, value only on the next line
9:08
